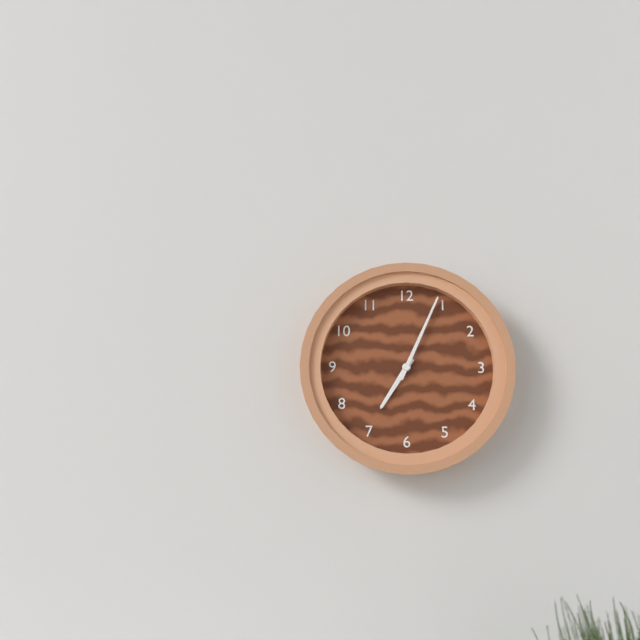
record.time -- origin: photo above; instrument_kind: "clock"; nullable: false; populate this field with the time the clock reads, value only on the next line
7:04
